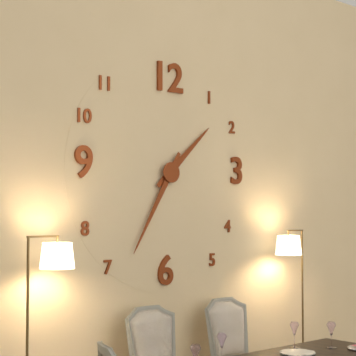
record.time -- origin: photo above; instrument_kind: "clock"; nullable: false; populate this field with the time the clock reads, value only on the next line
1:35
